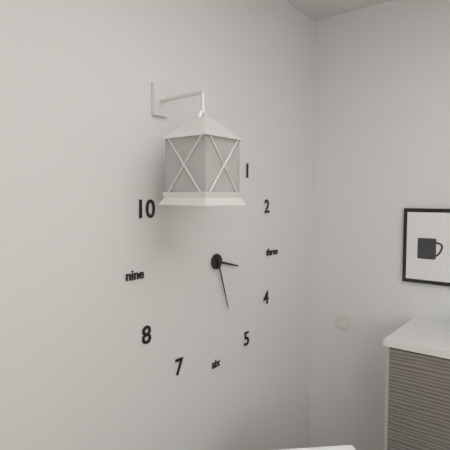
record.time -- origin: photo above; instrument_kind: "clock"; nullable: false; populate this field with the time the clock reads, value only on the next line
3:27
